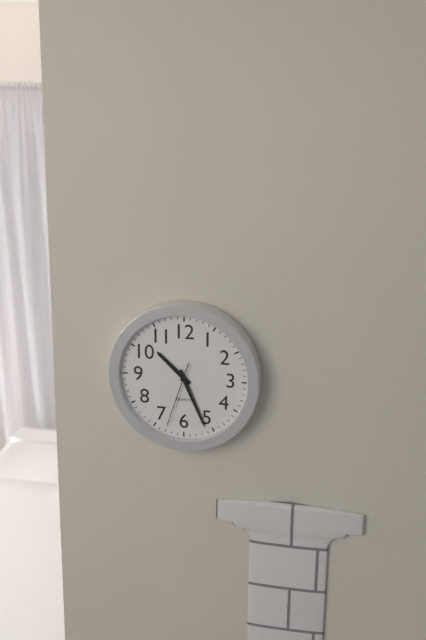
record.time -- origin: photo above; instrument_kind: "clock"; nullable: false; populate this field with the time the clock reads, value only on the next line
10:26:33
